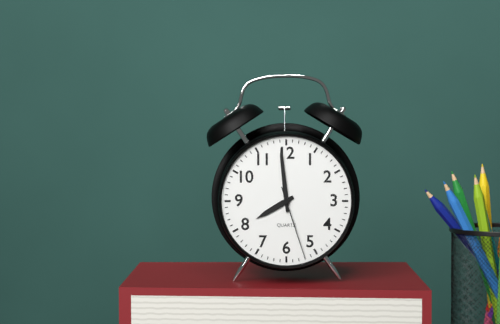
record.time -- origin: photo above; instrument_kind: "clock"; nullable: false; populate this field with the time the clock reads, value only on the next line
7:59:27
